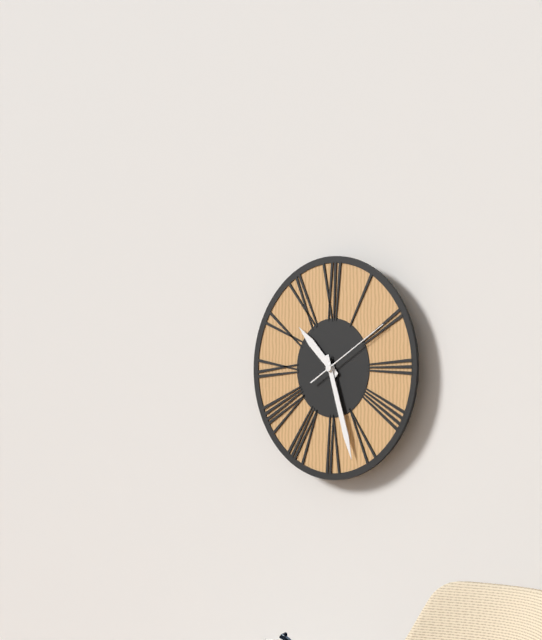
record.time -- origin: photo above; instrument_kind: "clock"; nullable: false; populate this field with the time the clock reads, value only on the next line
10:27:10
